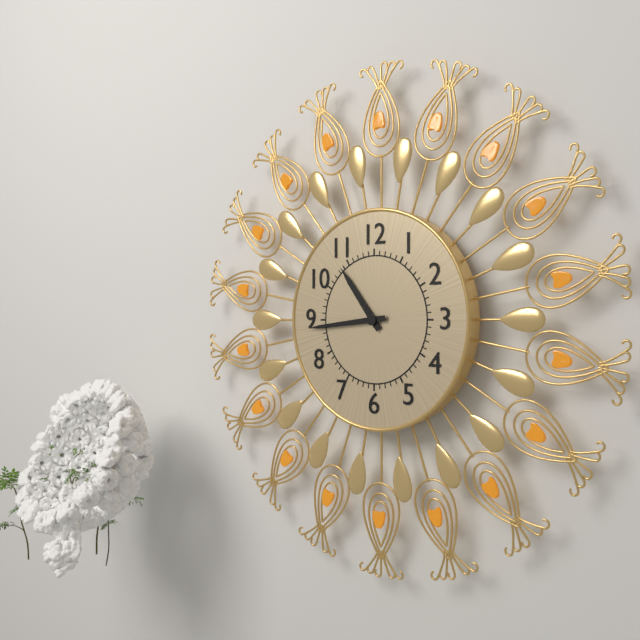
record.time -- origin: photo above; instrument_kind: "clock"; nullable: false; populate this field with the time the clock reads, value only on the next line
10:44
